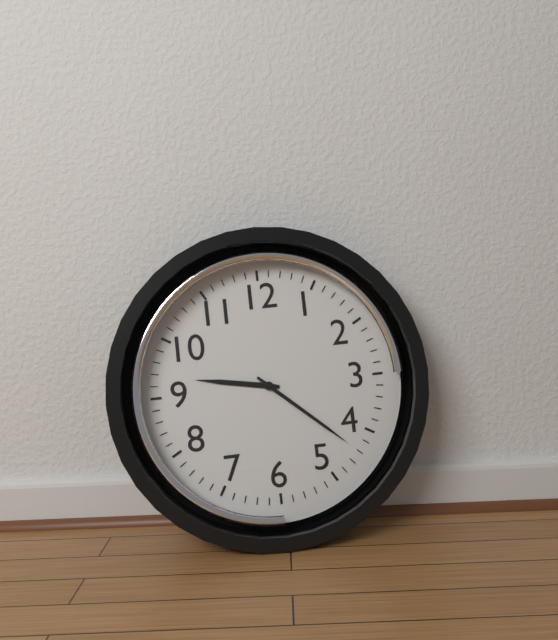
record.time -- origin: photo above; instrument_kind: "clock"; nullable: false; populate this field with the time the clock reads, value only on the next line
9:22
